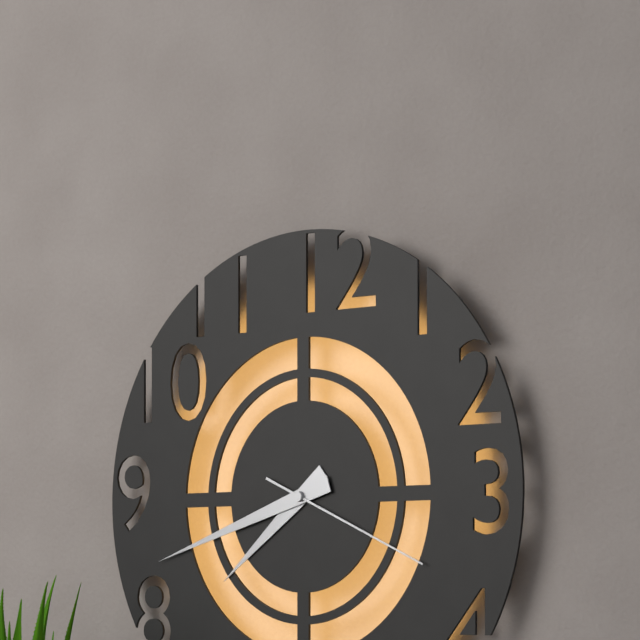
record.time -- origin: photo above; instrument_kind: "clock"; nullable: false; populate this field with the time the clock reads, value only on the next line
7:42:19
